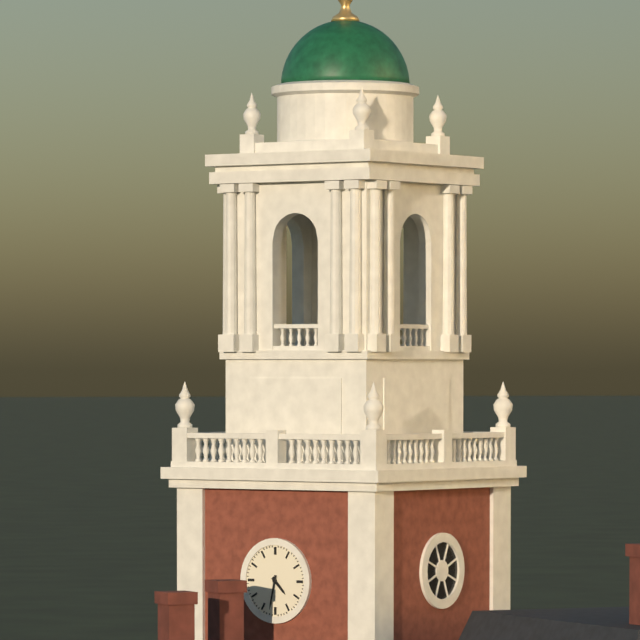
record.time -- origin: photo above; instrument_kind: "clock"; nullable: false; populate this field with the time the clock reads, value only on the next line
4:32
